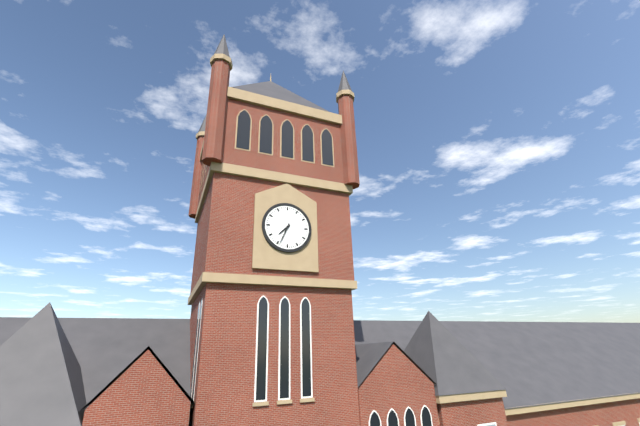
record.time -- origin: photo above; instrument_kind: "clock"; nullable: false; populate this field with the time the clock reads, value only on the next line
7:34
